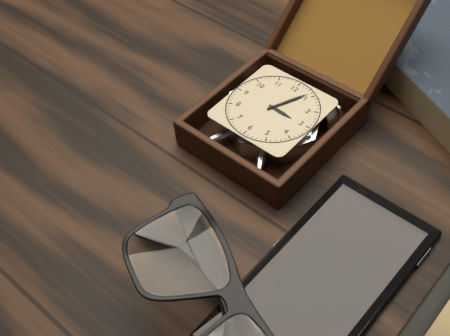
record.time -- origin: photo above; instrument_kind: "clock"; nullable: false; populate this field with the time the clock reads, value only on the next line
3:04
